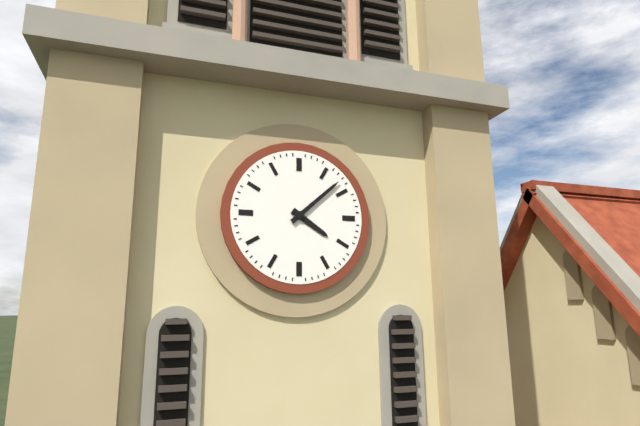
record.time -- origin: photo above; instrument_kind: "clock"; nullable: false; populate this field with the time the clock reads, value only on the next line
4:08
